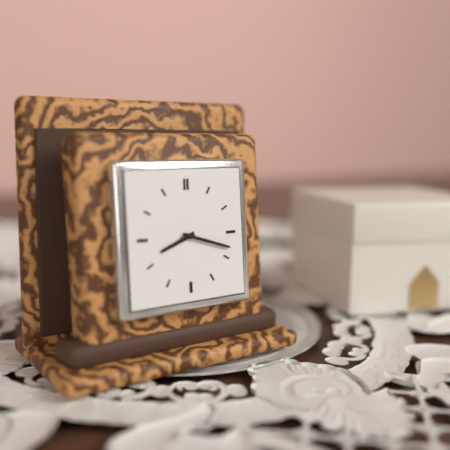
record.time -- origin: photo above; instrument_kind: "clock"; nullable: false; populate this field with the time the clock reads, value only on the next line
8:18
